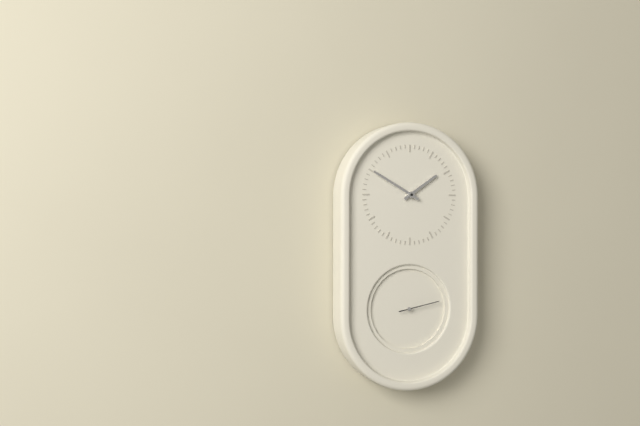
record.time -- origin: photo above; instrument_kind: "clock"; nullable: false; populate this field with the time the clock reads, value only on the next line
1:50
